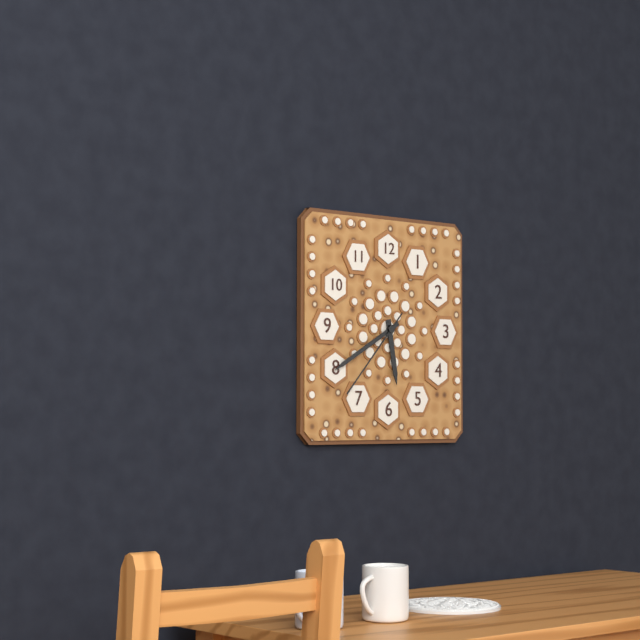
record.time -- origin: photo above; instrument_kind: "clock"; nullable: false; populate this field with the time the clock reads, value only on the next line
5:40:37
